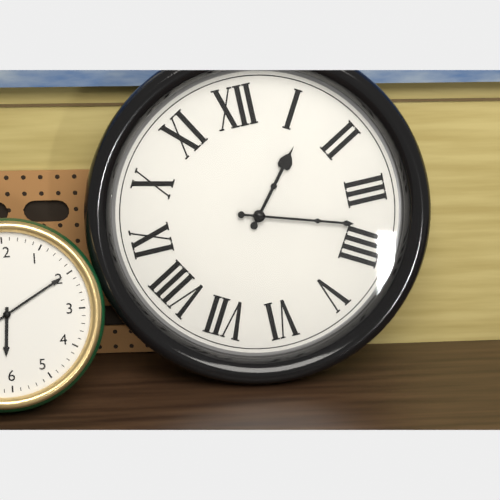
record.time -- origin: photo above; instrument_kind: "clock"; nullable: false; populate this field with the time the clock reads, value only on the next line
1:18
